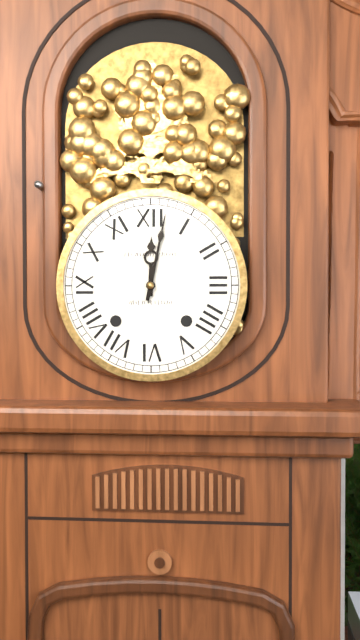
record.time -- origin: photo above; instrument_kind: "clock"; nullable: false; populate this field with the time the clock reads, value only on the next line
12:02
